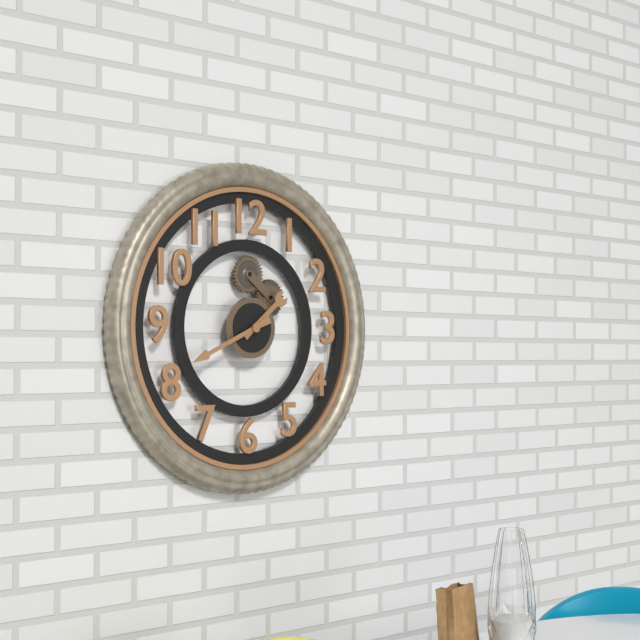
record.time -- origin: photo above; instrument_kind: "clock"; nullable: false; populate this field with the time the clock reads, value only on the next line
1:41
